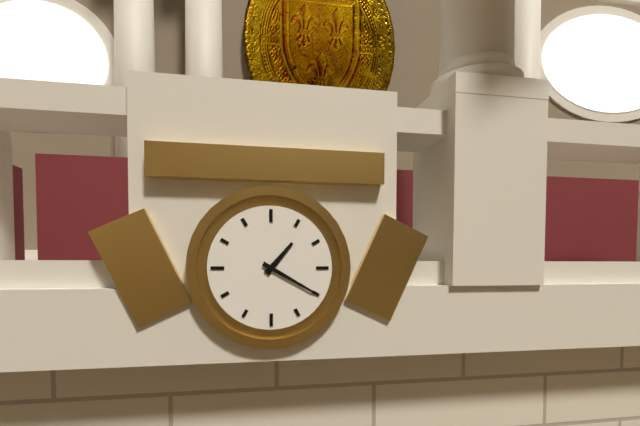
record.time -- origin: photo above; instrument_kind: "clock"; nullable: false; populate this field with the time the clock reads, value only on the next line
1:20
